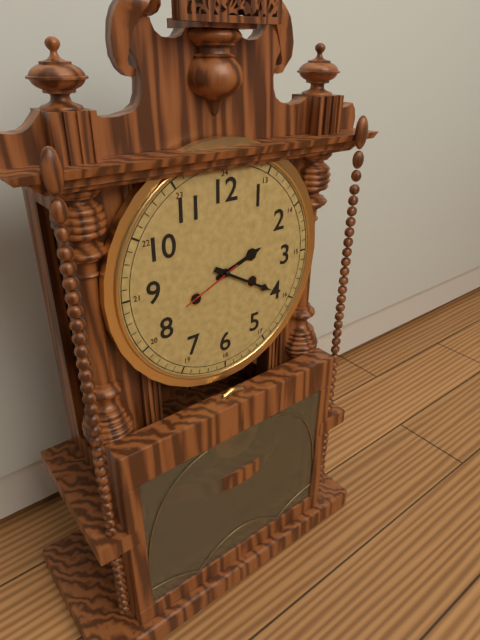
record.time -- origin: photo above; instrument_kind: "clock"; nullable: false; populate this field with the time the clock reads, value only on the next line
2:20:41
